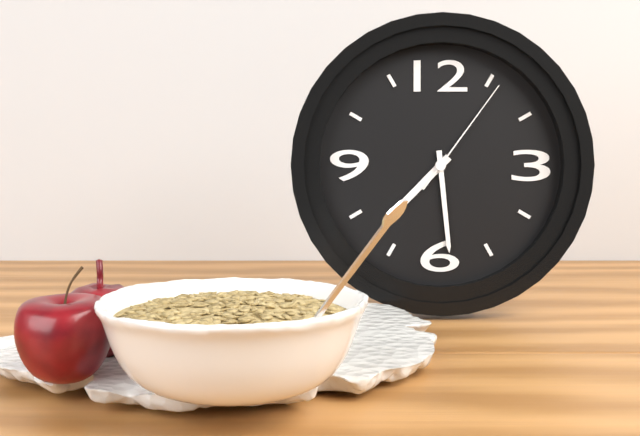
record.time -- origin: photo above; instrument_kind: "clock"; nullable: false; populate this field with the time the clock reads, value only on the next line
7:29:06
